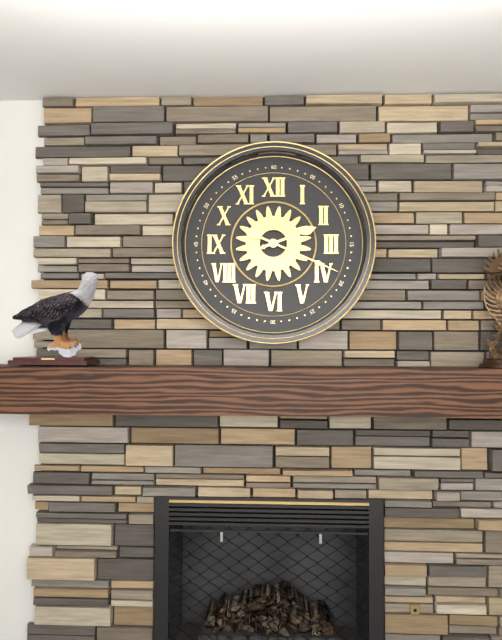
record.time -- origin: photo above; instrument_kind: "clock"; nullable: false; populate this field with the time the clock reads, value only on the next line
2:19
